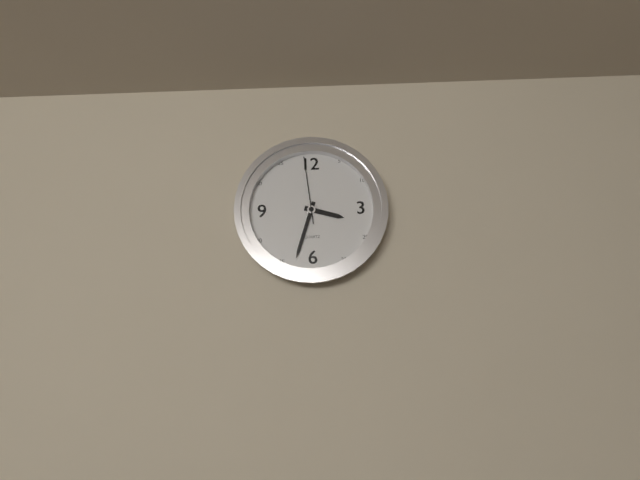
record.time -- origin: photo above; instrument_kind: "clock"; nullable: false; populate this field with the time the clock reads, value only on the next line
3:33:59
